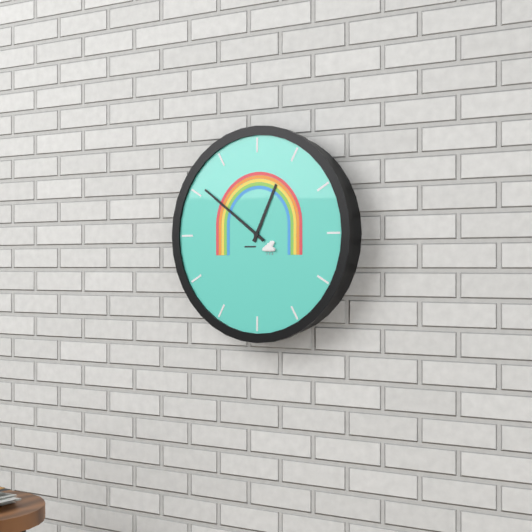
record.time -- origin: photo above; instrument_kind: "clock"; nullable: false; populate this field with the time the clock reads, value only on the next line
12:51
